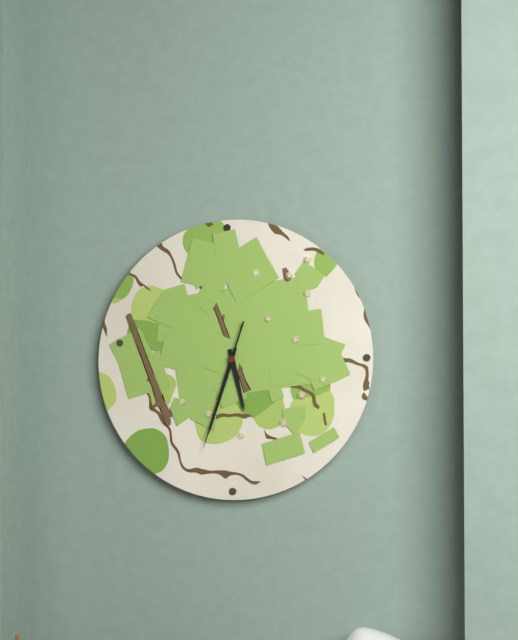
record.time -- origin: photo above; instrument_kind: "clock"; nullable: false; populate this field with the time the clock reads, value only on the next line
5:33:33
